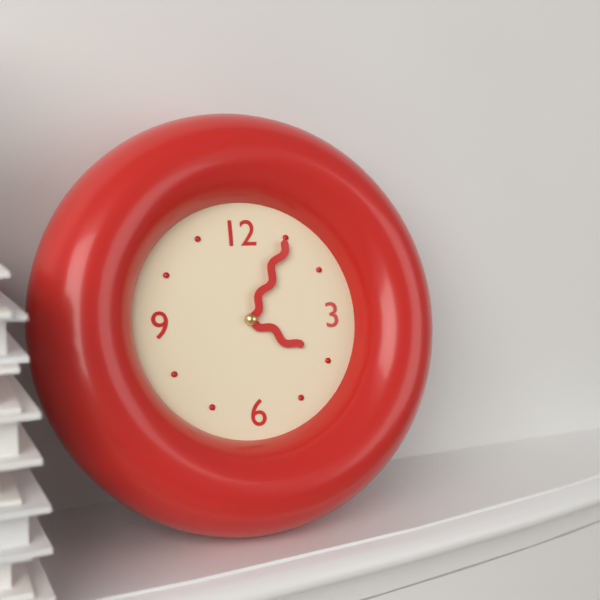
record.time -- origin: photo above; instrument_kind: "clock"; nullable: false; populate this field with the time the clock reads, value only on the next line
4:05
